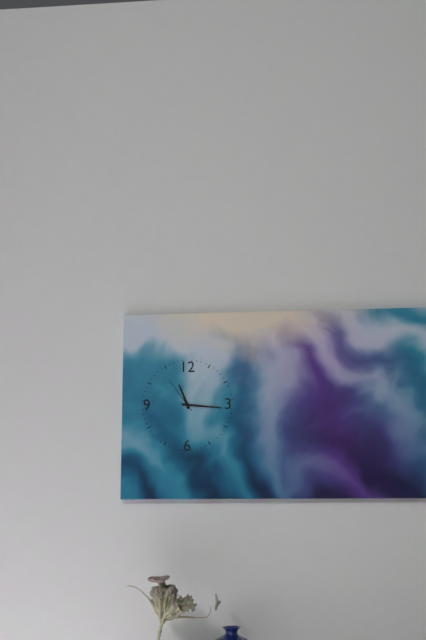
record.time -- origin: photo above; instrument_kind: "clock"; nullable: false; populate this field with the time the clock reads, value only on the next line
11:16
